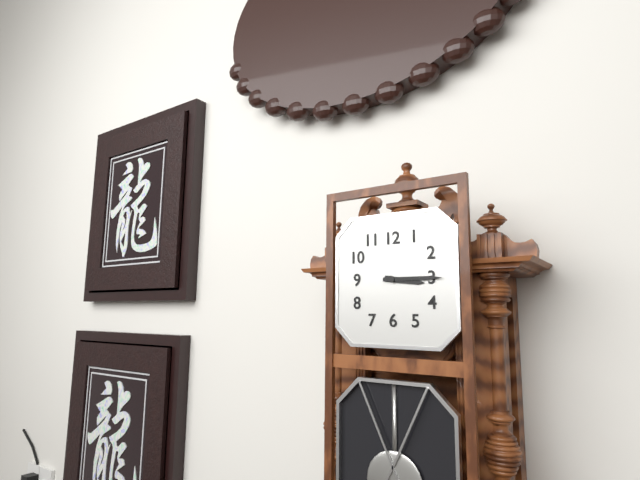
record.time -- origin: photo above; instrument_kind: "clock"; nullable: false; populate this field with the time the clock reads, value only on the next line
3:15
